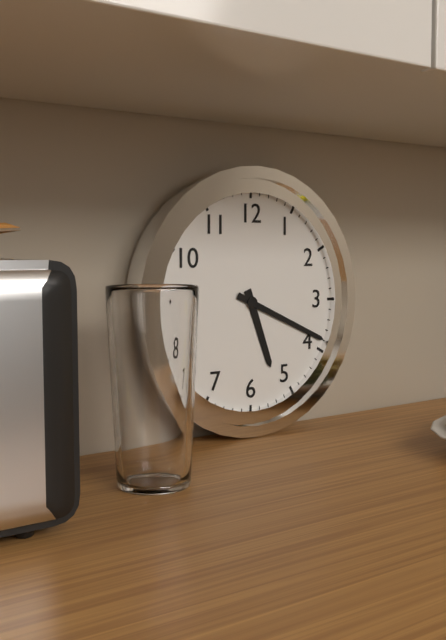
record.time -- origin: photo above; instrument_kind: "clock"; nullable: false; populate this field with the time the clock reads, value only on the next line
5:19
